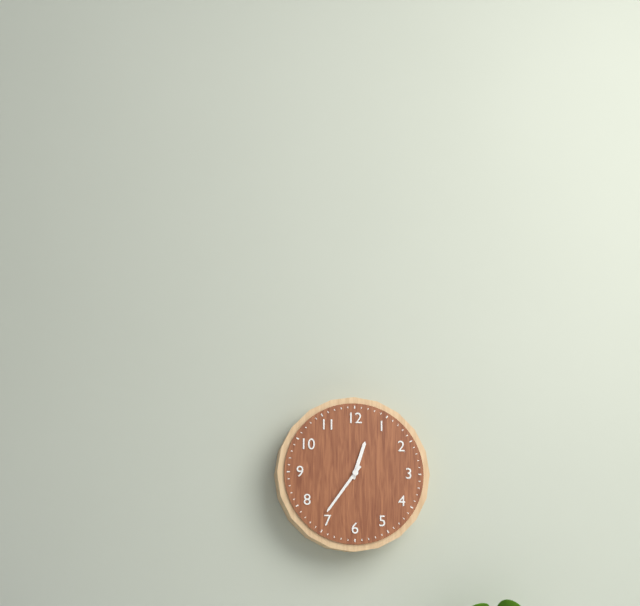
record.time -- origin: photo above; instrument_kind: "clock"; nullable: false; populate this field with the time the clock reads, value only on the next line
12:36
